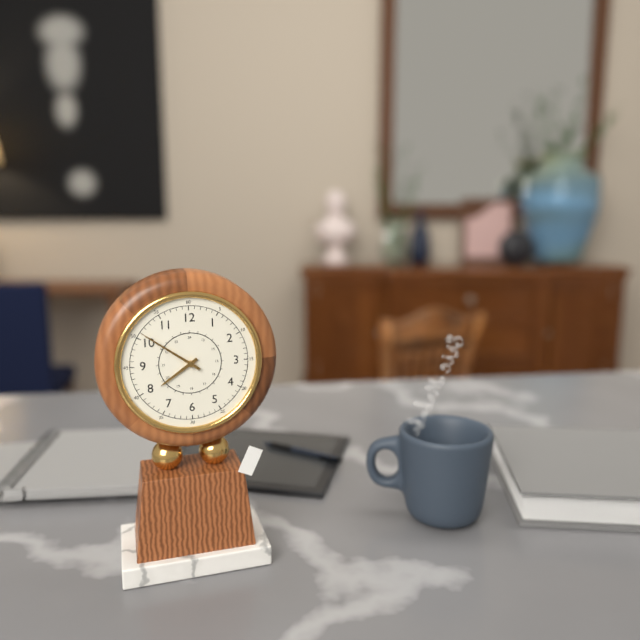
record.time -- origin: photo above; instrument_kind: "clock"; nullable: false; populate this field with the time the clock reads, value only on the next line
7:51
